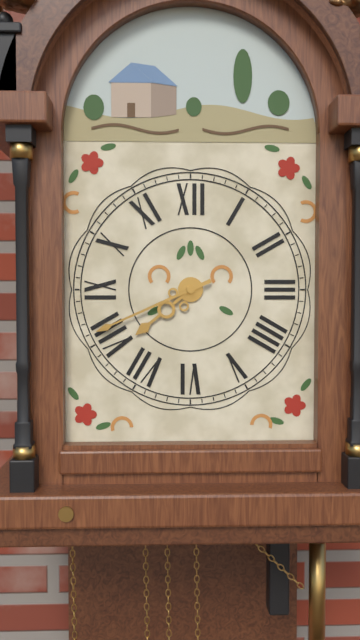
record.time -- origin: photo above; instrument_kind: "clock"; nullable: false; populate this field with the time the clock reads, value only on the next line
7:41
